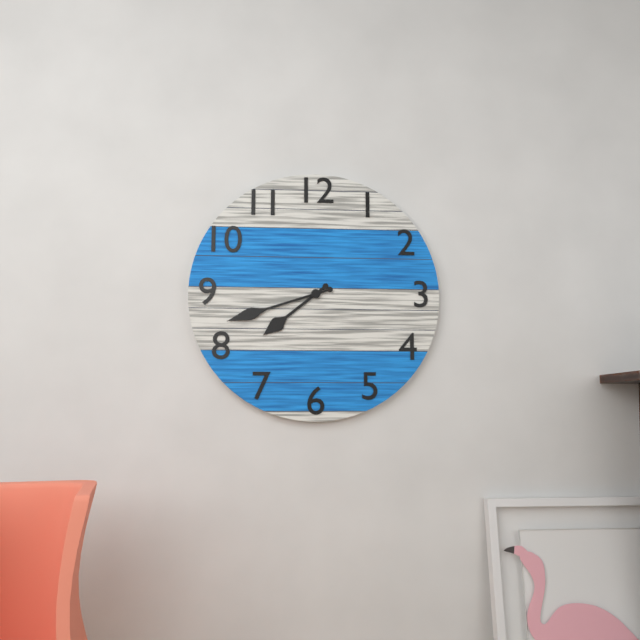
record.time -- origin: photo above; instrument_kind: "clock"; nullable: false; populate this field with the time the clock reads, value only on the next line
7:42
